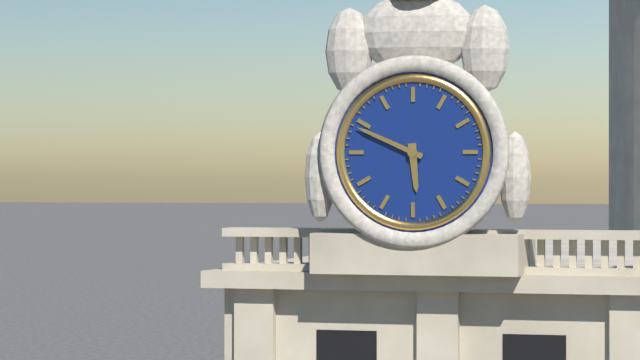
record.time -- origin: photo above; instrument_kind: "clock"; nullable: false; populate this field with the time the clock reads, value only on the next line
5:49
